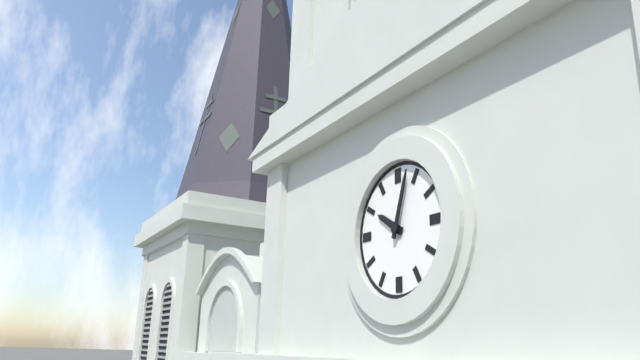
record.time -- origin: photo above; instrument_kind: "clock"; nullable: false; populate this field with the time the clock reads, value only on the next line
10:03
